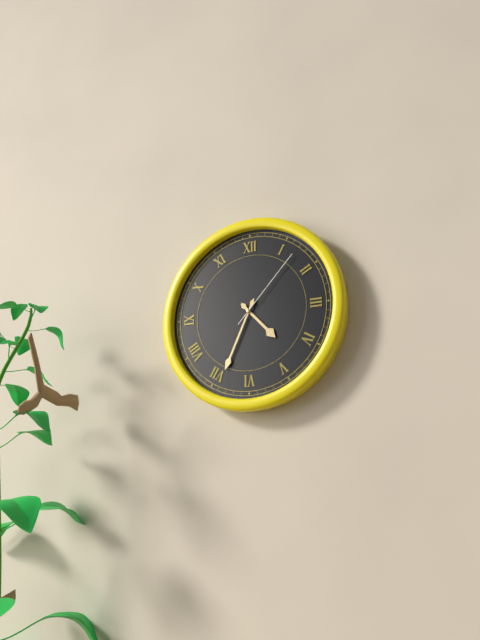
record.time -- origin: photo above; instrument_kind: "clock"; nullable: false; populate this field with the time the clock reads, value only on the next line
4:34:07
